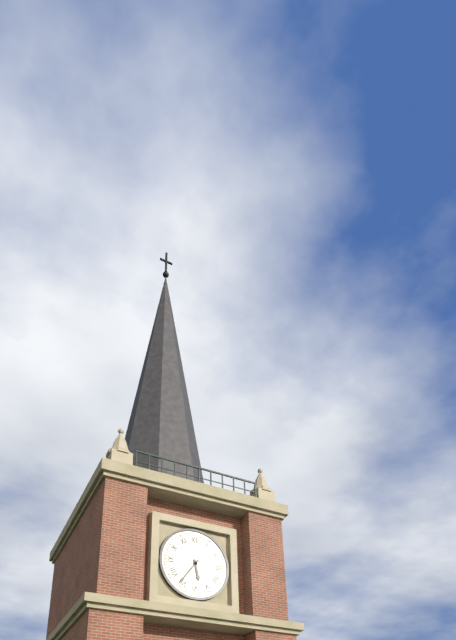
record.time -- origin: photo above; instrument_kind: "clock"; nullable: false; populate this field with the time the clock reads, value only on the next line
5:36
